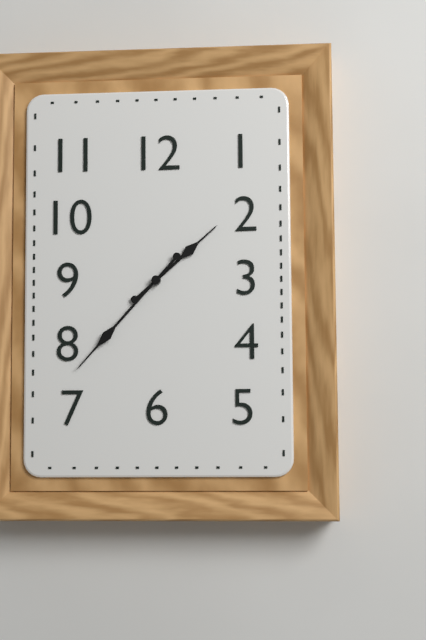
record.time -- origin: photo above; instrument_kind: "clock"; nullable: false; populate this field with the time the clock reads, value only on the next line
1:37
